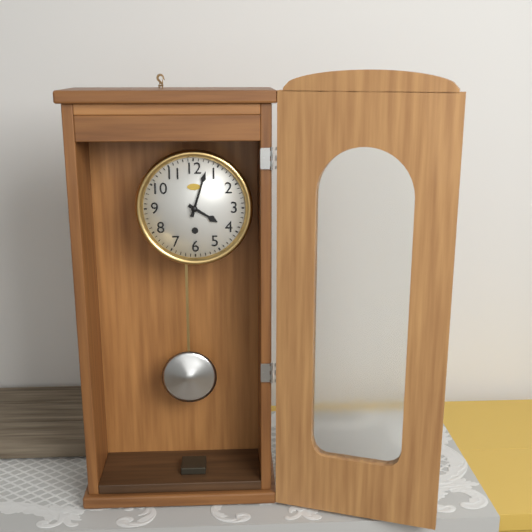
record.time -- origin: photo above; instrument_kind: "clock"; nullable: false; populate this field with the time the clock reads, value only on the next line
4:03
